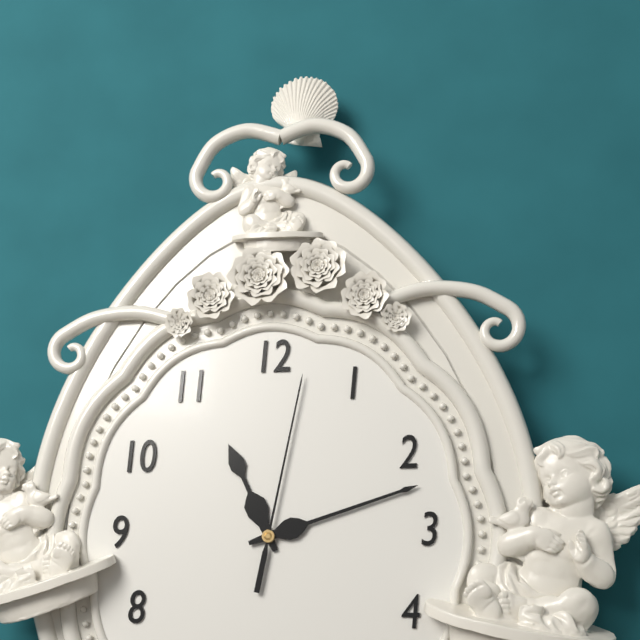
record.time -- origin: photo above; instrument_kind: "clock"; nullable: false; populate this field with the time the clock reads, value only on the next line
11:12:02
